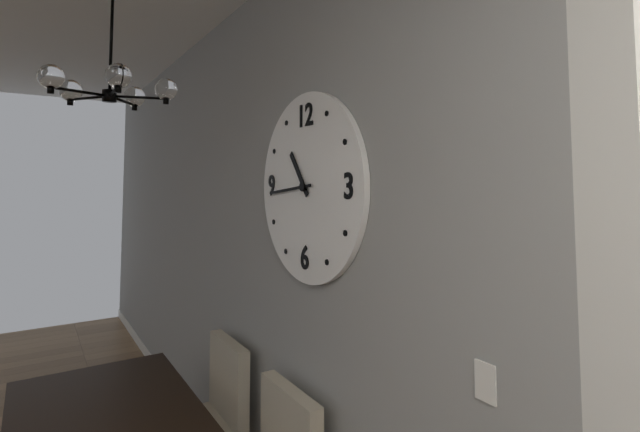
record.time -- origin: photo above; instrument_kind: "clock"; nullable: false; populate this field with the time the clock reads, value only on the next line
10:44
